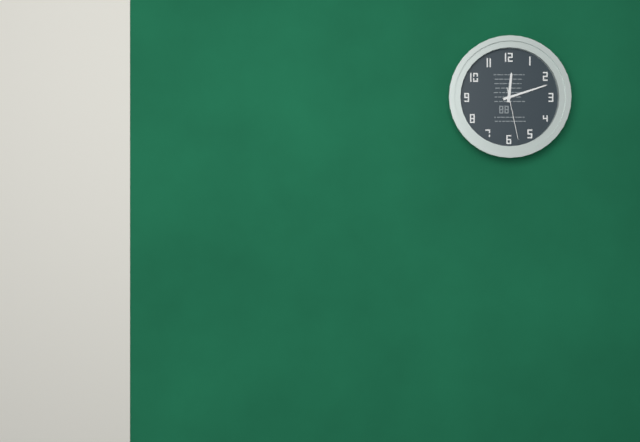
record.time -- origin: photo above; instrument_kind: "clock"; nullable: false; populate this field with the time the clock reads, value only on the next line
12:12:28
